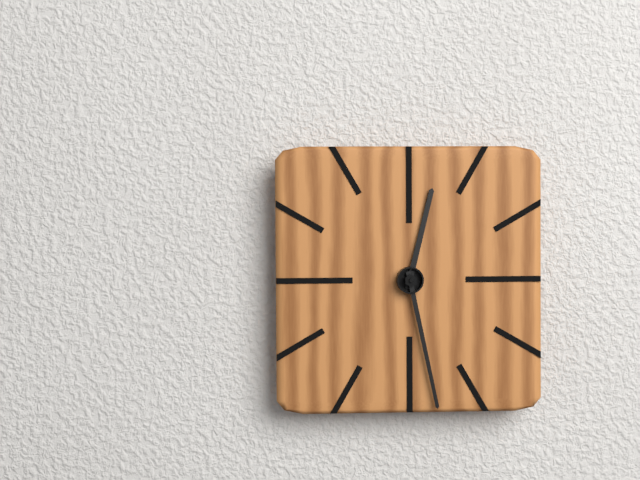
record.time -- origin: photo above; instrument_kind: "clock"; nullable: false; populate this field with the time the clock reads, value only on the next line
12:28
